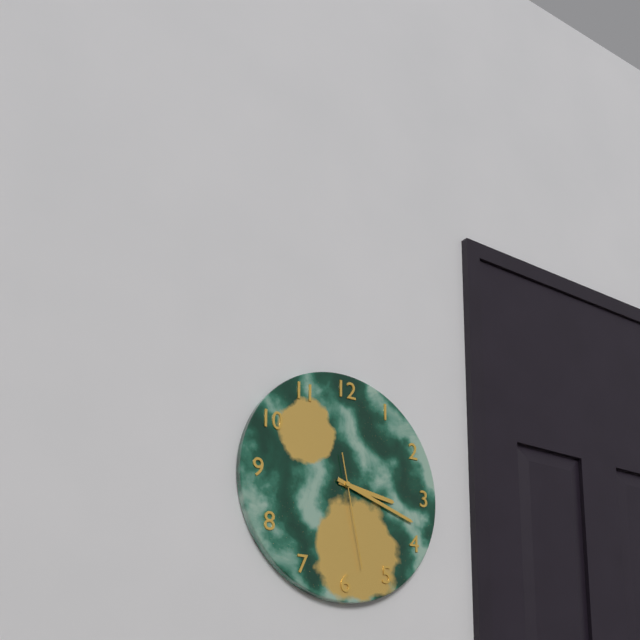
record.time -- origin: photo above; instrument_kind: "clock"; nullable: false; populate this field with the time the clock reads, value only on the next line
3:18:28
